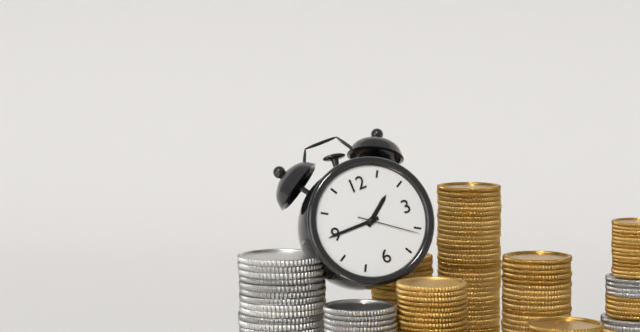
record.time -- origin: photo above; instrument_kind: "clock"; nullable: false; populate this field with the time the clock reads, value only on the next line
1:45:21
